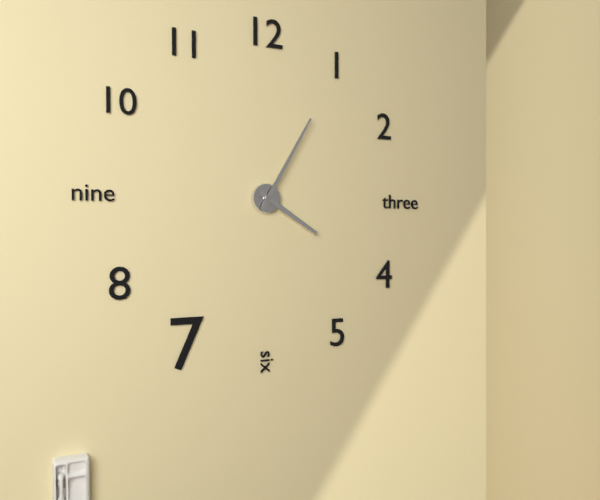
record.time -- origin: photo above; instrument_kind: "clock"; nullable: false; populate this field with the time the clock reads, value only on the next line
4:05
